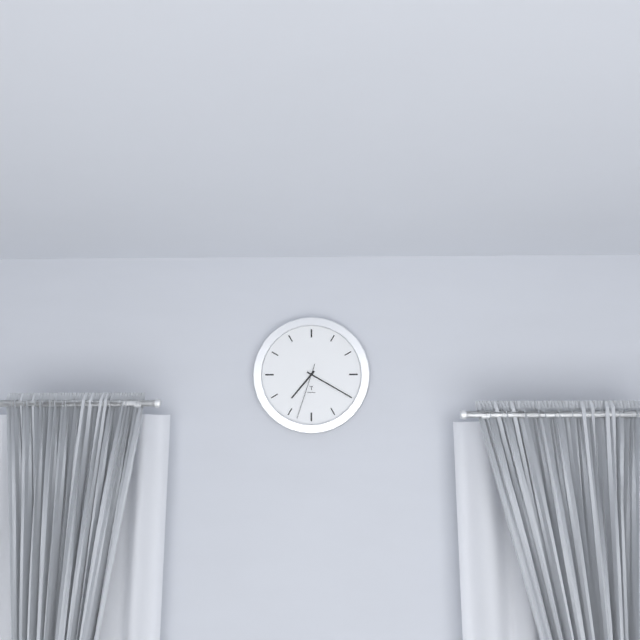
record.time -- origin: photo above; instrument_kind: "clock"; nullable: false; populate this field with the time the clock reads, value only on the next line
7:20:33
